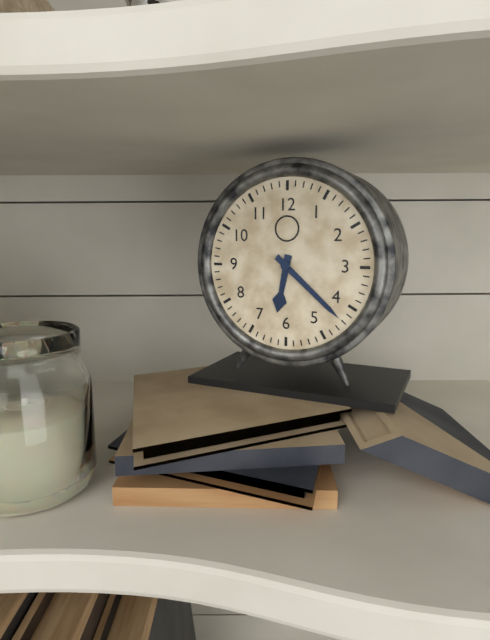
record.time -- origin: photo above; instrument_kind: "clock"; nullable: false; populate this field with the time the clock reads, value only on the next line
6:22
